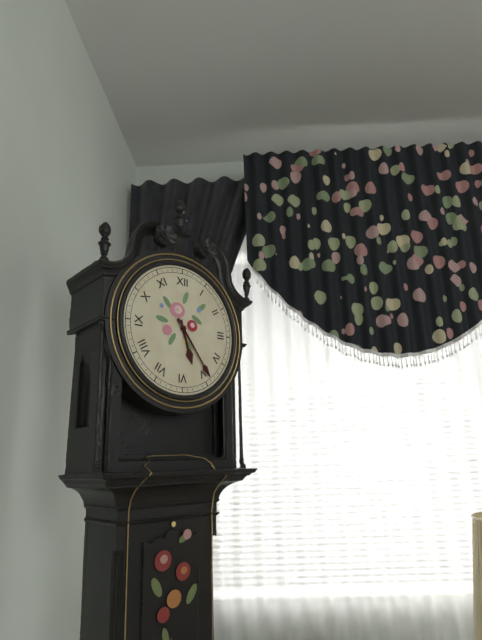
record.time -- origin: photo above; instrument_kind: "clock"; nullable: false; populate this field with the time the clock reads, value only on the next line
5:24
